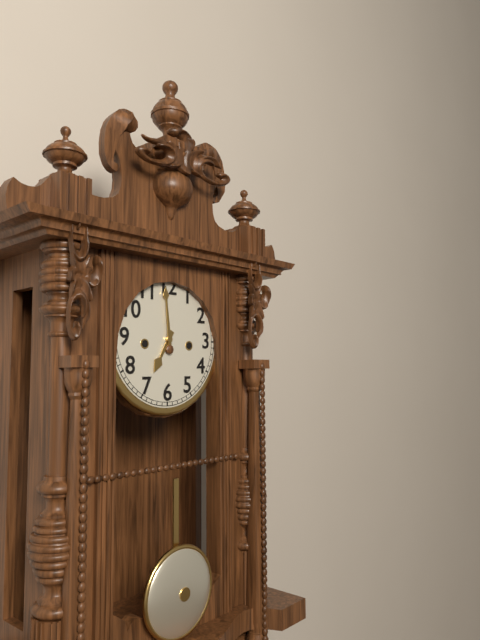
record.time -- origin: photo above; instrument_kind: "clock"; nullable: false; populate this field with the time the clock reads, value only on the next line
6:59
